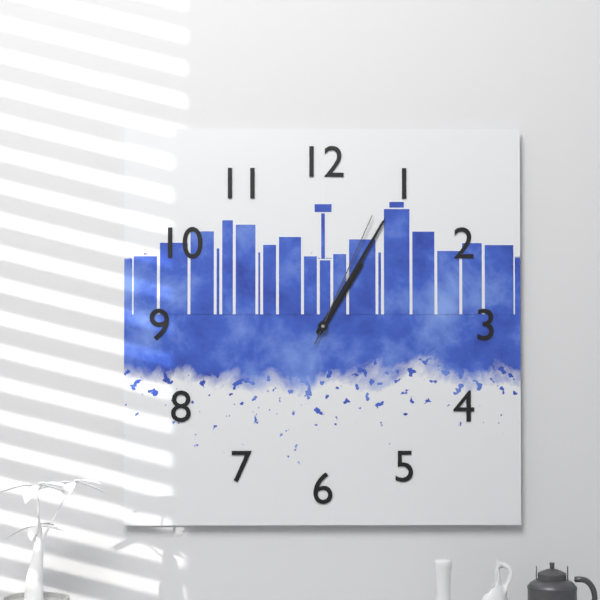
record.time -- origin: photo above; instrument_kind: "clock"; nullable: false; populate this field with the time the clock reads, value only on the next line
1:05:04
